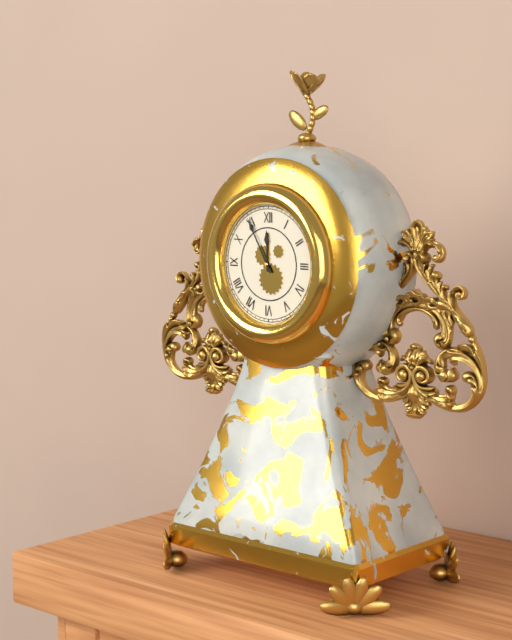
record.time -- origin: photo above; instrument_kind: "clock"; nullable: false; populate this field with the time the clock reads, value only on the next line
11:55
